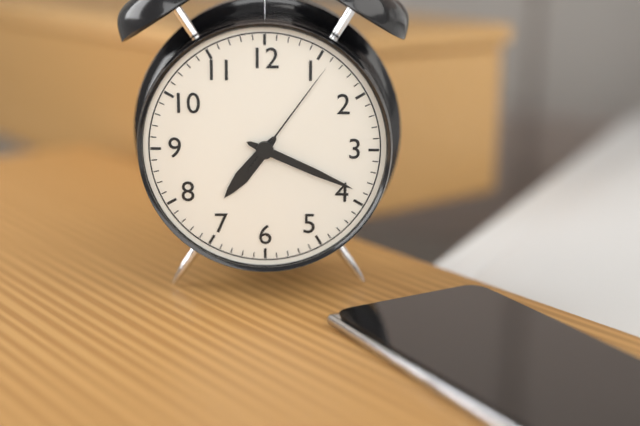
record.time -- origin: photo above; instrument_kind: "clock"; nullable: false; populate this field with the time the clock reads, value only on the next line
7:19:06
